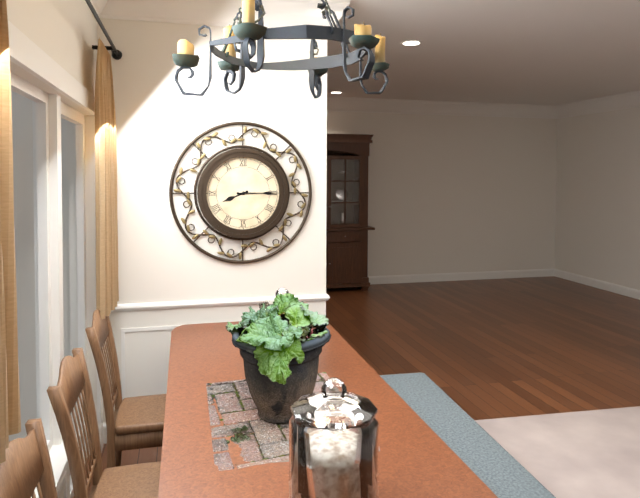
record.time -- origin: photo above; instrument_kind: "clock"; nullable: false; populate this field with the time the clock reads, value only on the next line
8:15
